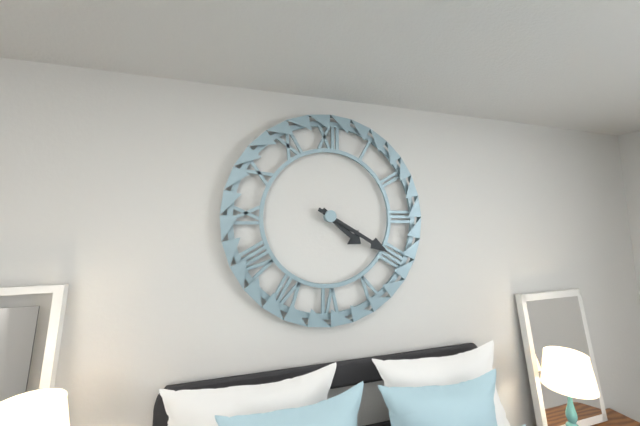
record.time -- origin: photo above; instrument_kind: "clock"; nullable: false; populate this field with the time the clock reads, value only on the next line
4:20
